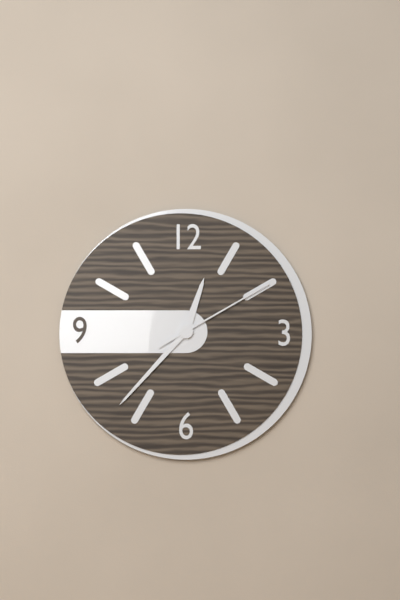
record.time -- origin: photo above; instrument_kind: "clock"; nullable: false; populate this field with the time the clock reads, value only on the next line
12:37:10
